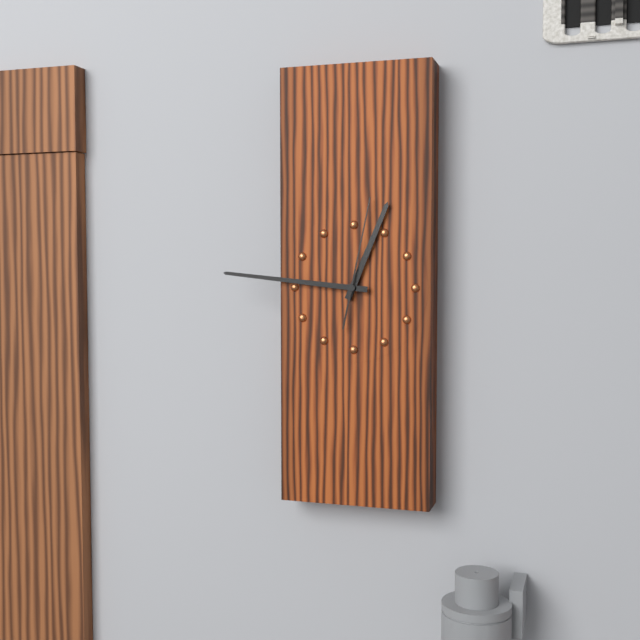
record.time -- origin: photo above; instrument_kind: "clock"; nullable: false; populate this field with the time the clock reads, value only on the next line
12:46:02
